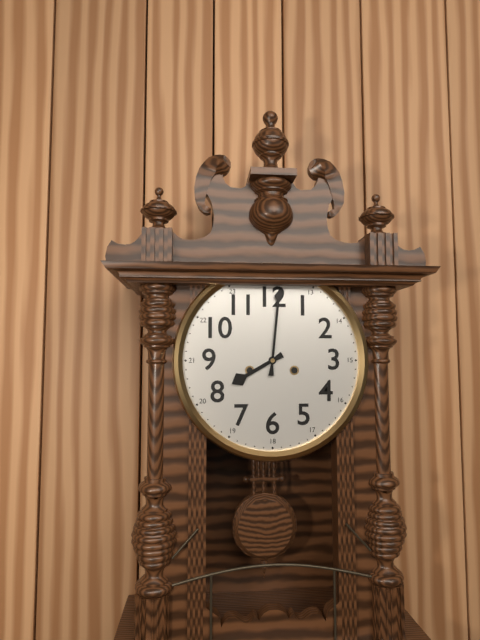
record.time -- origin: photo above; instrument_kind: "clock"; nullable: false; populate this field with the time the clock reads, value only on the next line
8:01
